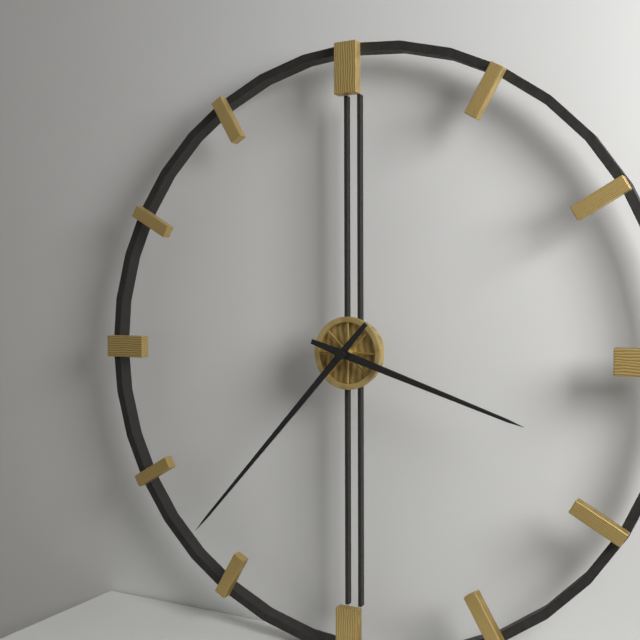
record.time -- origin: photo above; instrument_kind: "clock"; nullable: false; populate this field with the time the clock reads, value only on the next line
3:37
